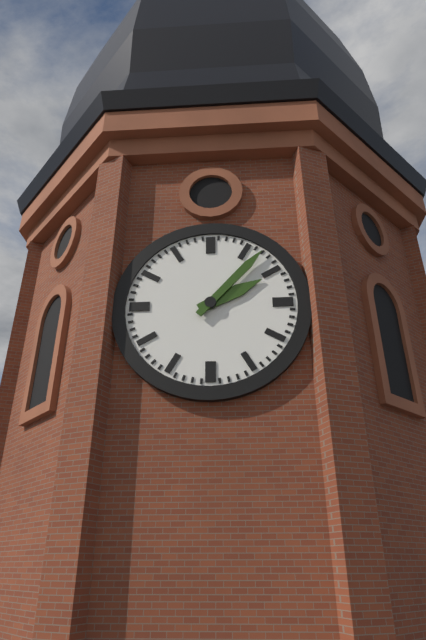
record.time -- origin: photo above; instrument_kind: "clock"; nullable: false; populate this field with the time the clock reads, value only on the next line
2:07
